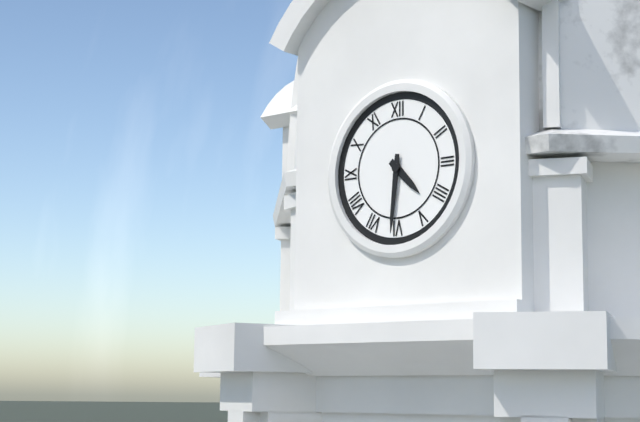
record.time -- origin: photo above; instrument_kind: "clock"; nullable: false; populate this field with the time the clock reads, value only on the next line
4:31
